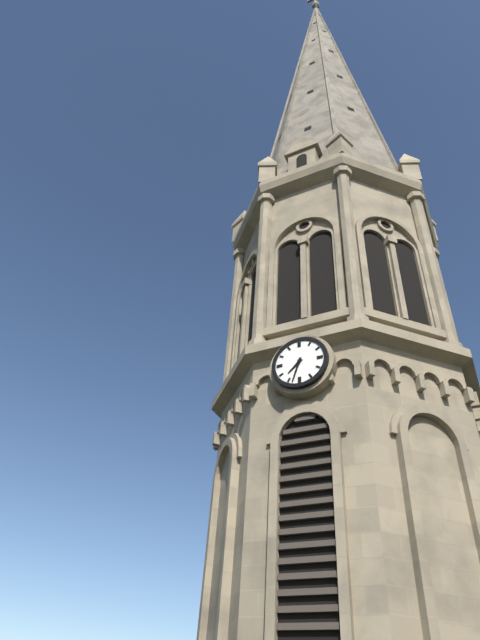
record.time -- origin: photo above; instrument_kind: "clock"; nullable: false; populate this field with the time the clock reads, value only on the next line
7:33
